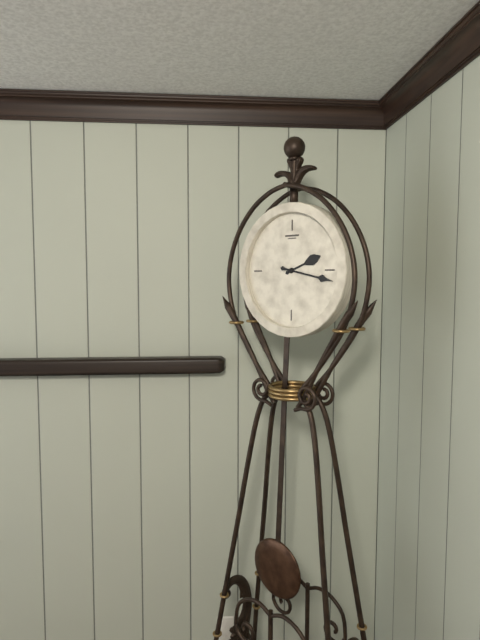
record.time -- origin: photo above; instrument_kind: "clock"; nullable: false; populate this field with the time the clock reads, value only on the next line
2:17
